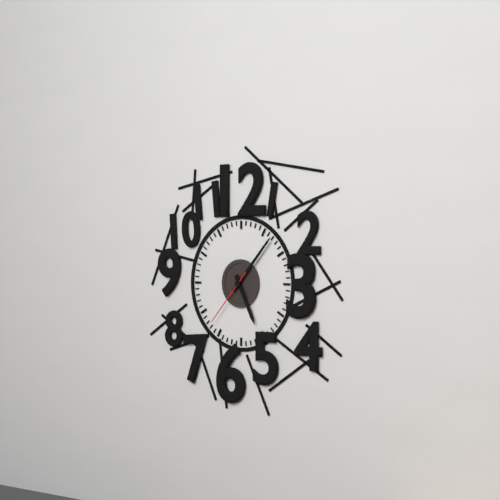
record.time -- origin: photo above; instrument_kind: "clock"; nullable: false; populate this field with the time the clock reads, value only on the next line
5:07:37
